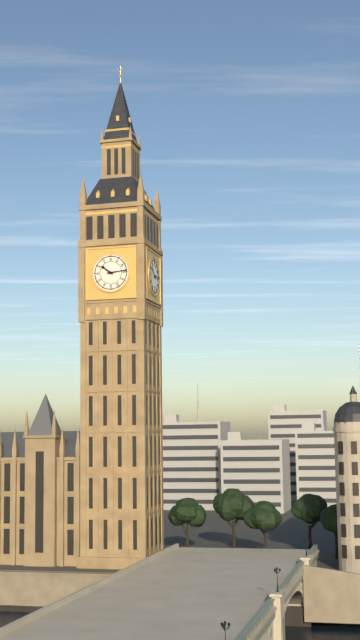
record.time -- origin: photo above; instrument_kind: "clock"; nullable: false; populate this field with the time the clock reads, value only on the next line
10:14
